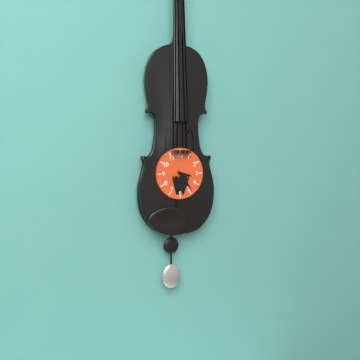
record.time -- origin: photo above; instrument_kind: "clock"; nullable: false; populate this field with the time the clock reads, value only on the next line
3:24
